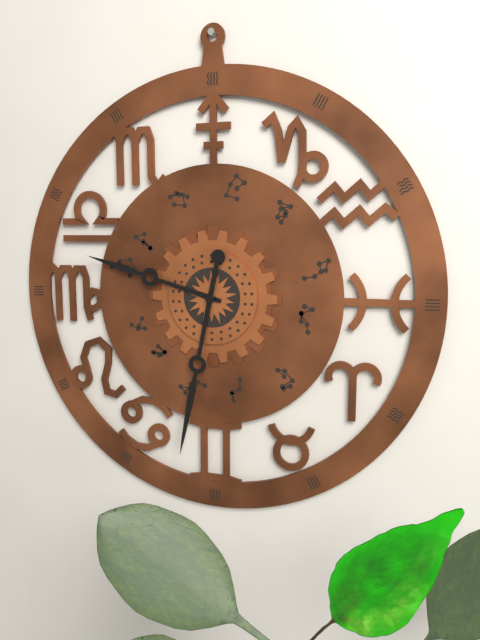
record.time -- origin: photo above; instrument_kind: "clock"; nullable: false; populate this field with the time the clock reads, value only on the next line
9:32
